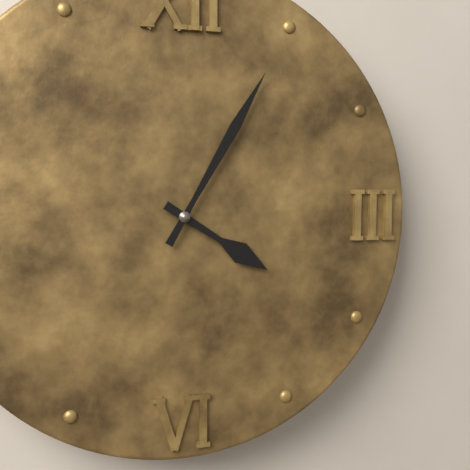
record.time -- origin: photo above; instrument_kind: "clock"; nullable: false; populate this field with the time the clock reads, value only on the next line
4:05
